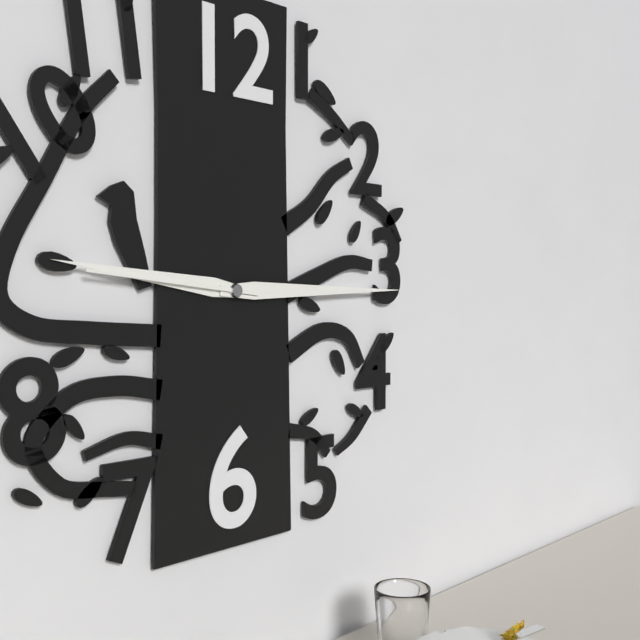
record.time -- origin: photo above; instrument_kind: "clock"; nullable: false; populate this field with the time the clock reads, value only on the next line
9:15:46
